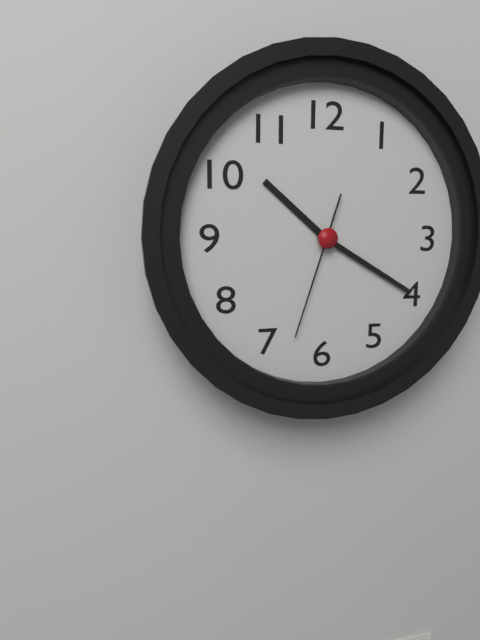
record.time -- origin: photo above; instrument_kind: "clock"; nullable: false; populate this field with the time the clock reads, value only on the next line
10:20:33
